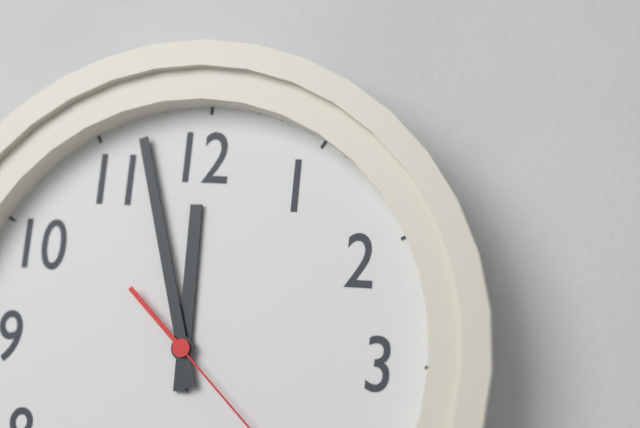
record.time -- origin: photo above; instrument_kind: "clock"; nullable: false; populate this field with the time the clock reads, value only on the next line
11:57
